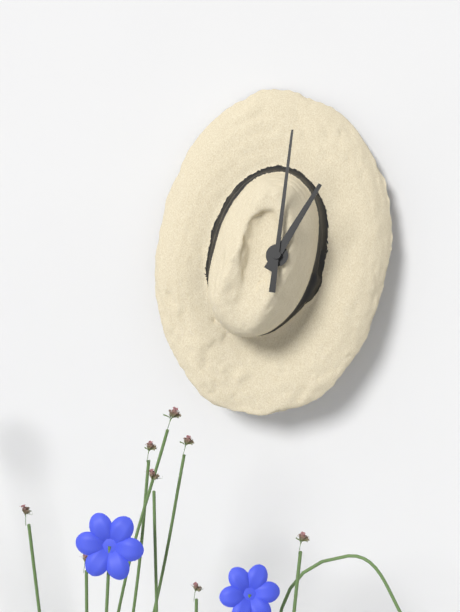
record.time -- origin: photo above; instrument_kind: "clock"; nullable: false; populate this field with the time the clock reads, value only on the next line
1:01
